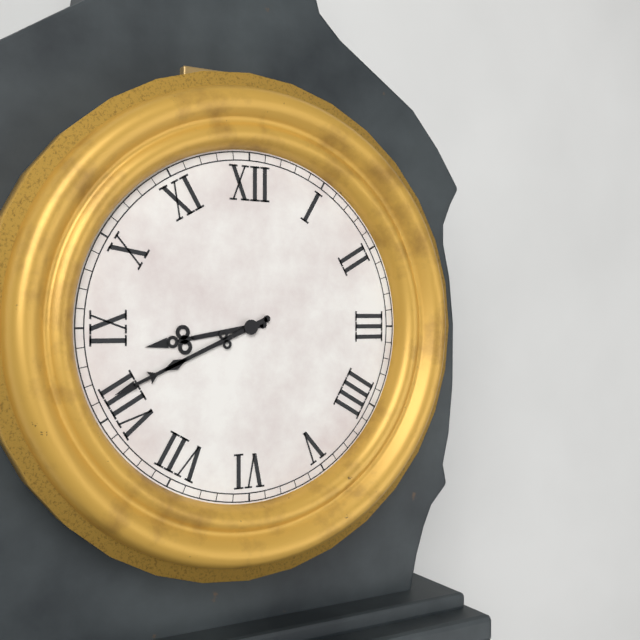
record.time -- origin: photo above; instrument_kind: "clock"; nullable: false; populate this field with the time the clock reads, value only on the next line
8:41
